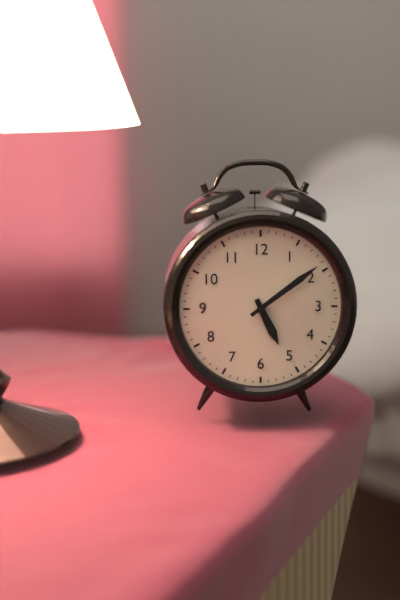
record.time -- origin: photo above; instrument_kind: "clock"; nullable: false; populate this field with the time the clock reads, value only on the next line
5:09
